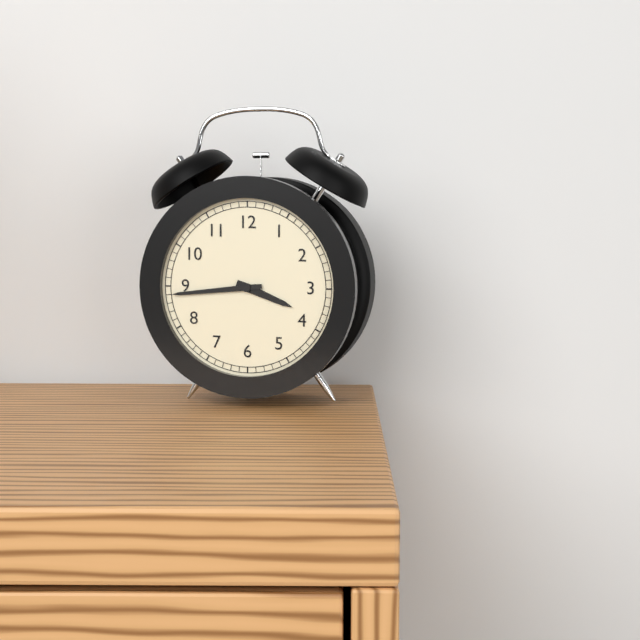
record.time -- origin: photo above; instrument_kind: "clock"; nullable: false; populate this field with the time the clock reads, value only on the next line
3:44
